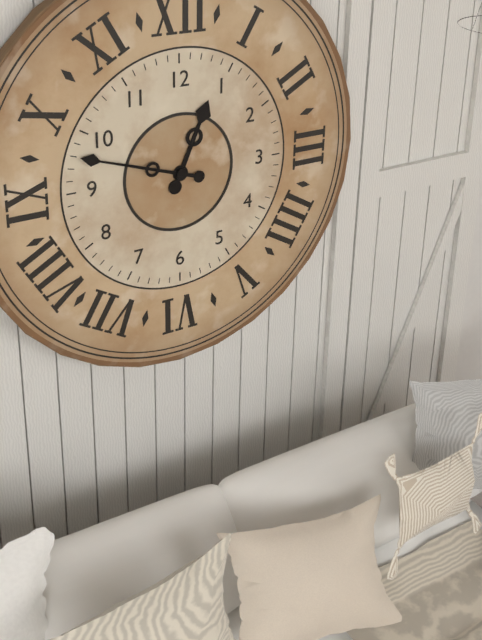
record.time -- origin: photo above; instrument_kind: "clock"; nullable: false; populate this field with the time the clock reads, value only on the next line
12:48
